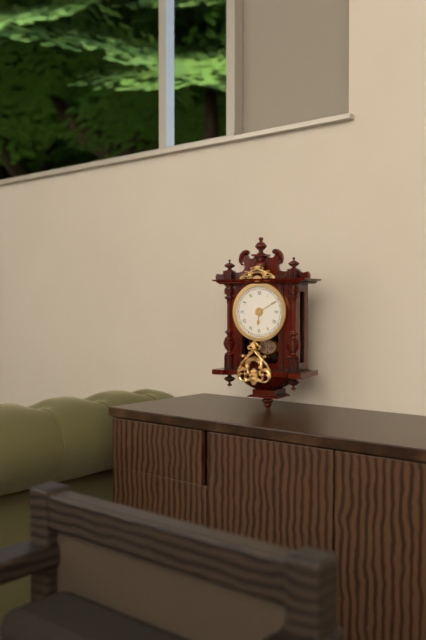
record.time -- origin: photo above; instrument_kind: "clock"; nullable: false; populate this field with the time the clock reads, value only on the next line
6:10
